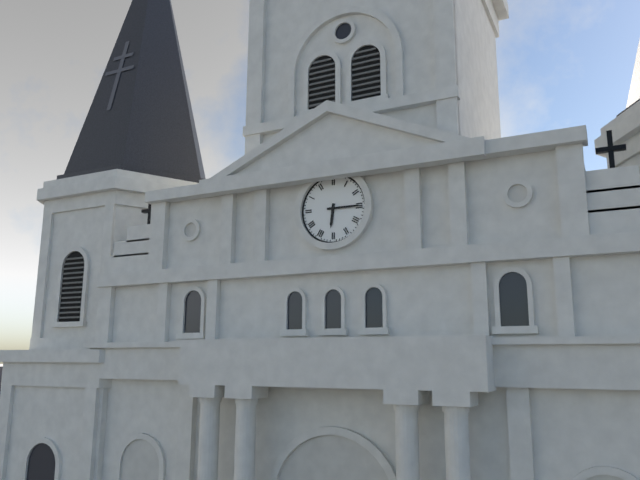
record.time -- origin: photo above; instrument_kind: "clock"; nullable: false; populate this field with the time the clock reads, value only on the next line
6:15
